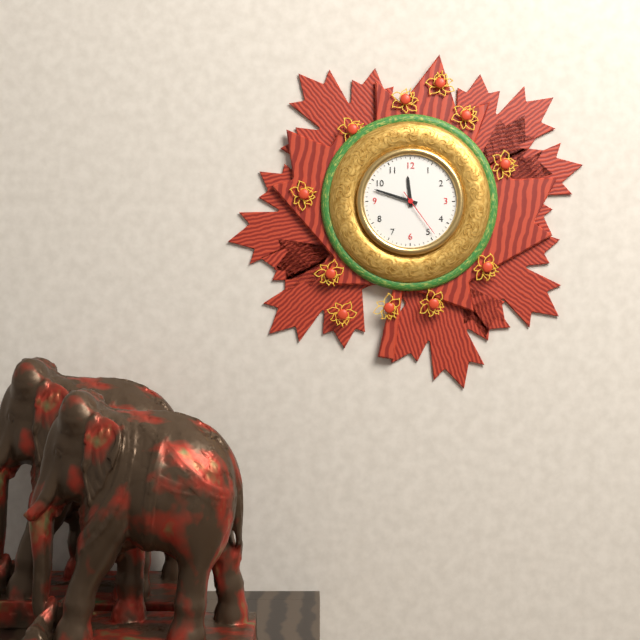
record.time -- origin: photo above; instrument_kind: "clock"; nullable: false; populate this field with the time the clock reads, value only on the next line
11:48:24
